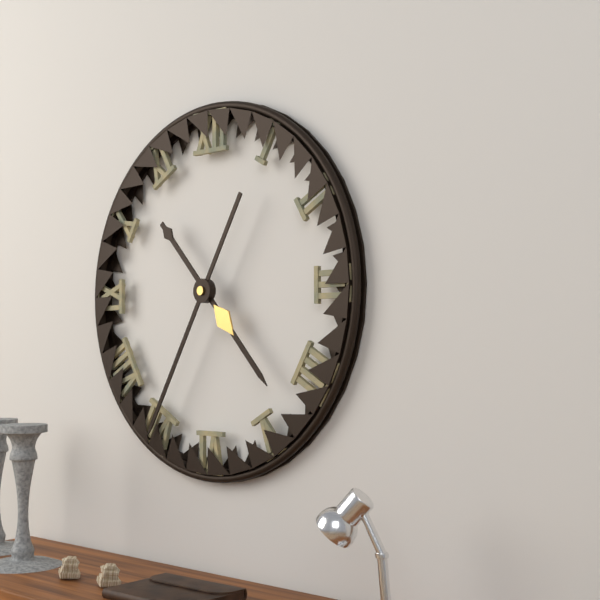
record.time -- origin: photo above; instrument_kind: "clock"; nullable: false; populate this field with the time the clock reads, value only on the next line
4:35
